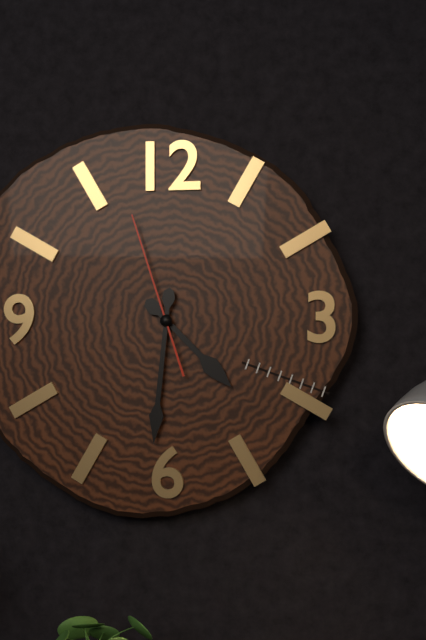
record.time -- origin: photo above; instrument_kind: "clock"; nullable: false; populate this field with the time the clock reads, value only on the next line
4:31:57
